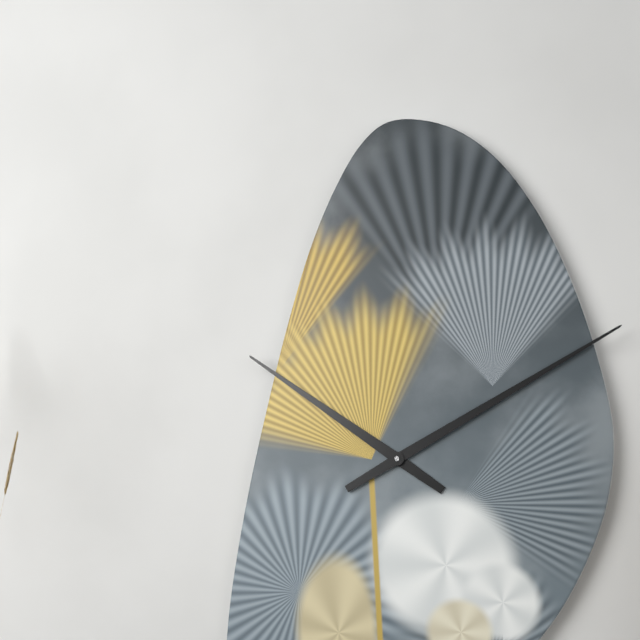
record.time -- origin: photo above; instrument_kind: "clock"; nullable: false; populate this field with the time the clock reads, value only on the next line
10:10
